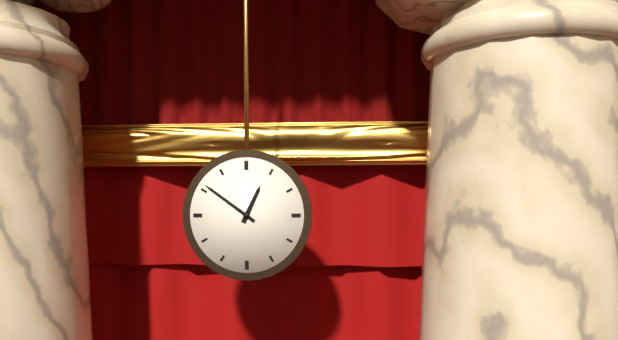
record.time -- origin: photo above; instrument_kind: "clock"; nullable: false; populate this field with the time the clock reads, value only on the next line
12:51
